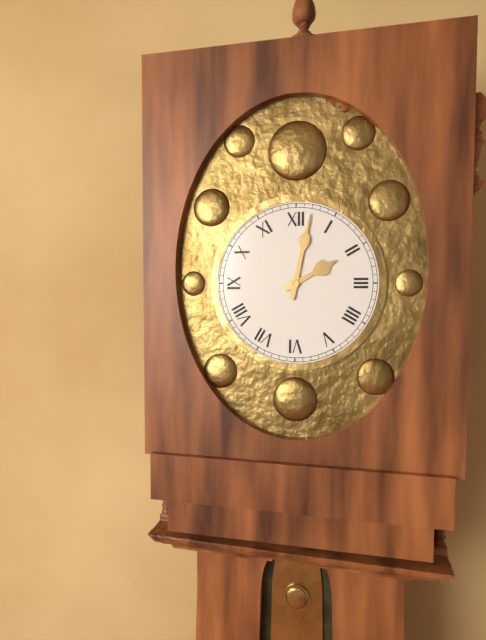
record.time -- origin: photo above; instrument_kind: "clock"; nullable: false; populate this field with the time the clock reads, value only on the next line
2:02
